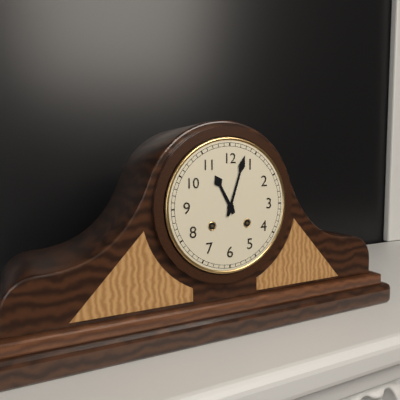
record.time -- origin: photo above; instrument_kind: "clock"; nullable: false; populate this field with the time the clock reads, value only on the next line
11:03
